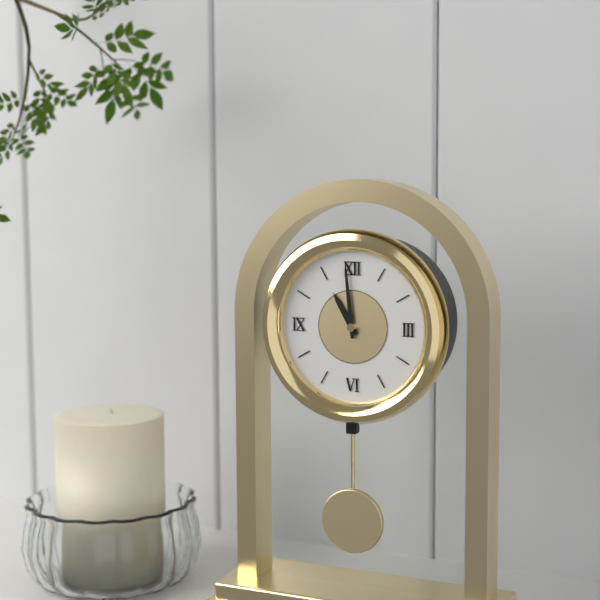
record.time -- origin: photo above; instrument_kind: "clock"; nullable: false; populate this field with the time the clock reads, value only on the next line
10:59
